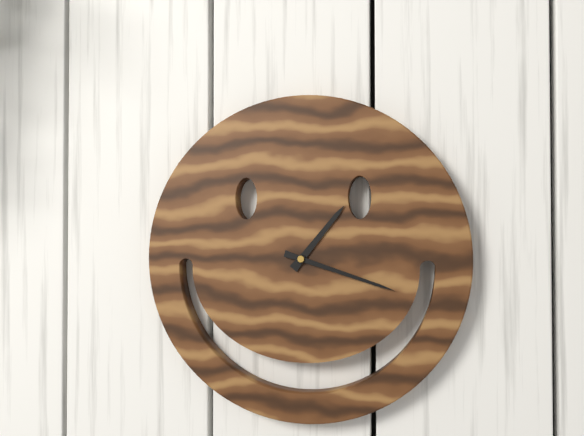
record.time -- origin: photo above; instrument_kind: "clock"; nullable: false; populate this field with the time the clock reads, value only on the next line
1:18
